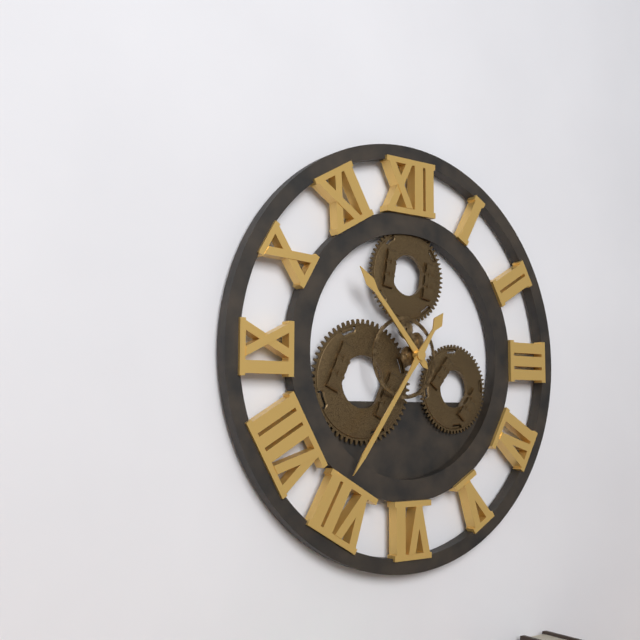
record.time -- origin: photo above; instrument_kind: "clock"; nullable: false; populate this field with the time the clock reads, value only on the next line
10:36
